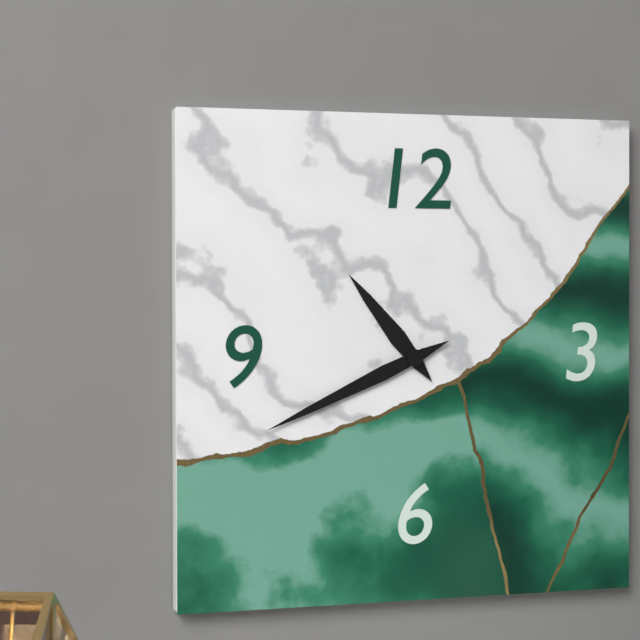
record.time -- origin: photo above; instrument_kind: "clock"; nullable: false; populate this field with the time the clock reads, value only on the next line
10:41
